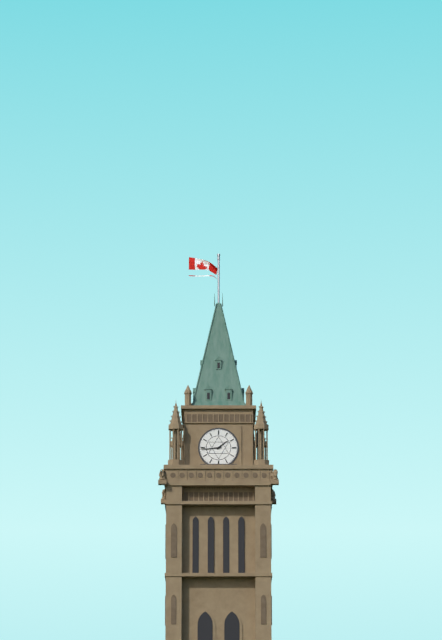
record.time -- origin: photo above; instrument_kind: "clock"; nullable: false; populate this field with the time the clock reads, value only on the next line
1:44
